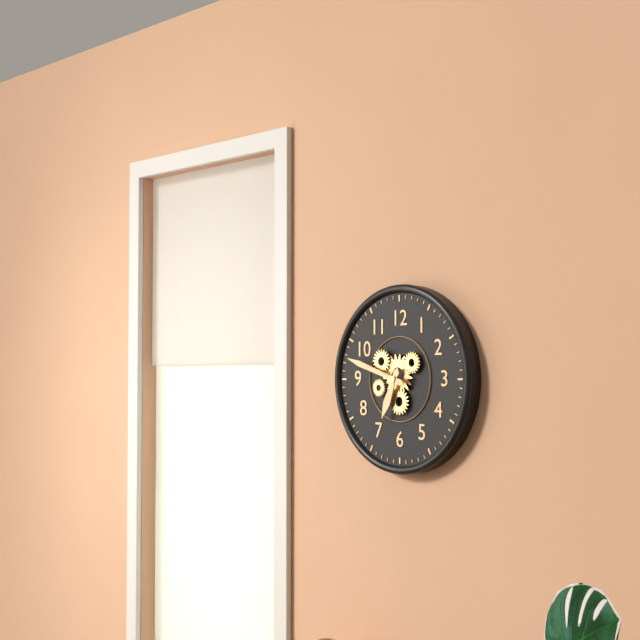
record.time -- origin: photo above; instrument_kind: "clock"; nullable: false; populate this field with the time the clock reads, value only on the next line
6:48
